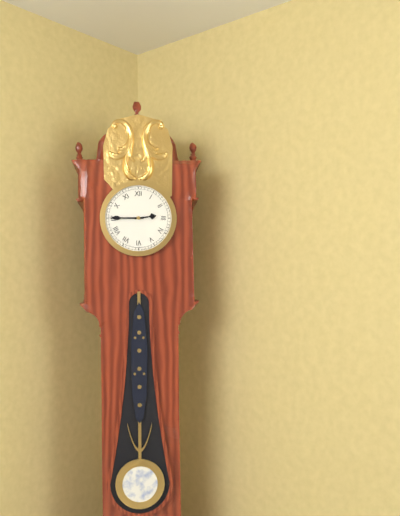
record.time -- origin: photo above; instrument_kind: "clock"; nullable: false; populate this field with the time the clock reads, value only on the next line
2:45
